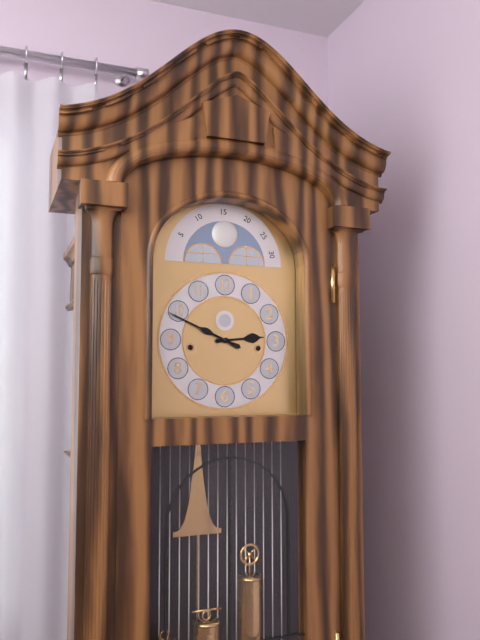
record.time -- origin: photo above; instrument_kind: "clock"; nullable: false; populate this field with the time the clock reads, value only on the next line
2:49
